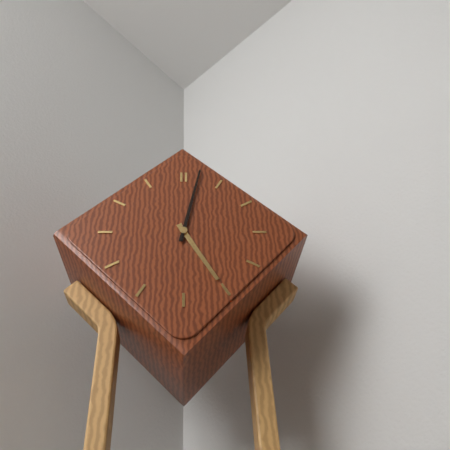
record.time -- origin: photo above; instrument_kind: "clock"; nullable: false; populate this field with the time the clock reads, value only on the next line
5:02
